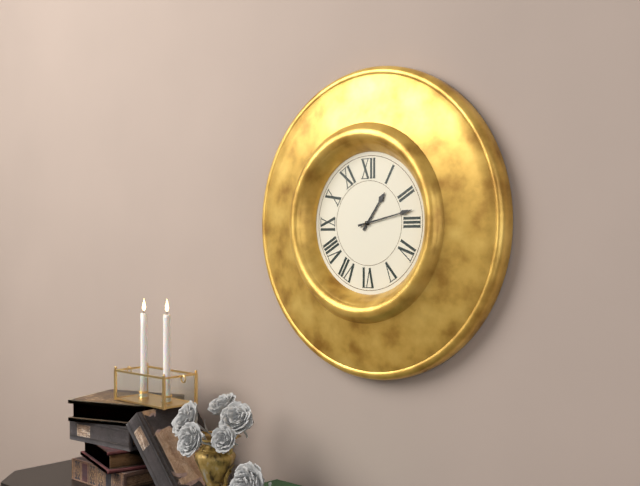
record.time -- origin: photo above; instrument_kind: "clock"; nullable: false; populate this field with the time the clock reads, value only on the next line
1:13
